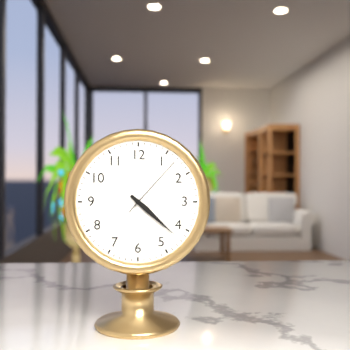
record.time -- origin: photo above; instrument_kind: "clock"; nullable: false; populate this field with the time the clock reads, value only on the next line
4:22:07
